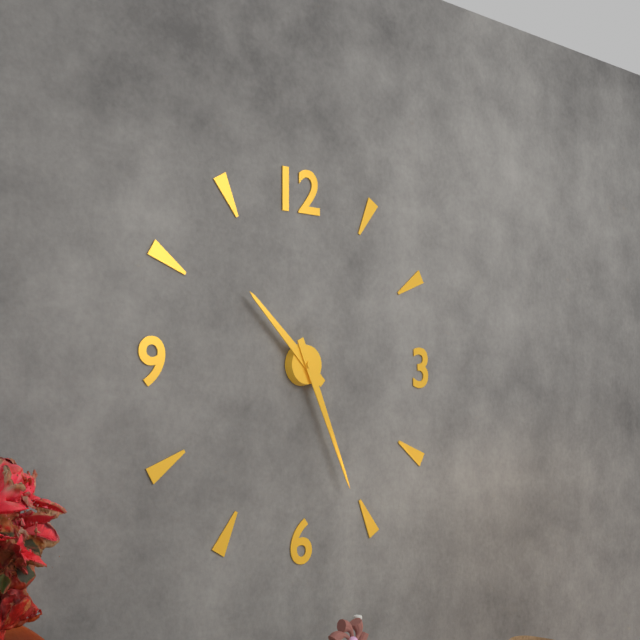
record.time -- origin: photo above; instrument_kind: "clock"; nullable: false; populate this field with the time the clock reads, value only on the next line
10:26
